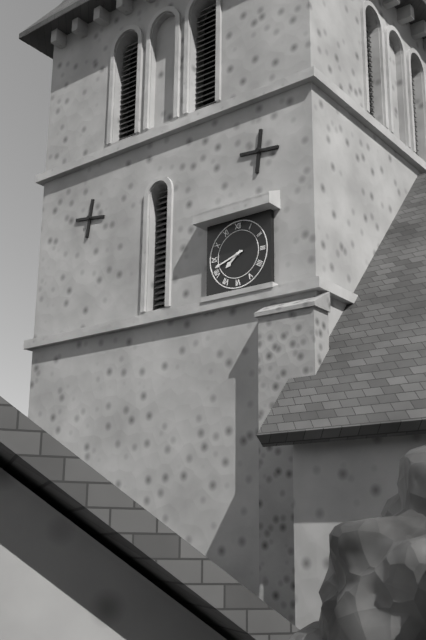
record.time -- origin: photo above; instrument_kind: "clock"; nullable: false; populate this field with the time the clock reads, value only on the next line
7:42
